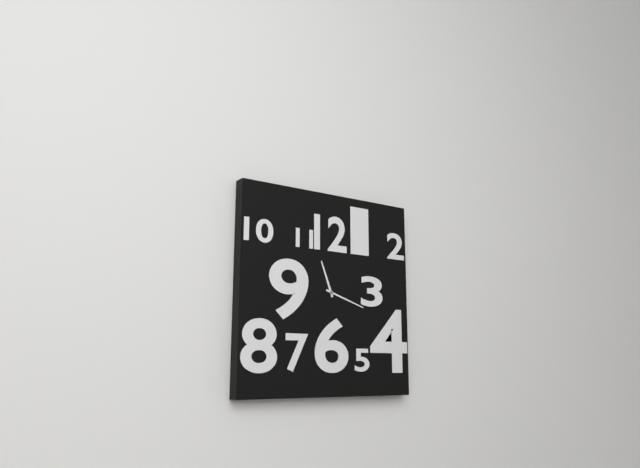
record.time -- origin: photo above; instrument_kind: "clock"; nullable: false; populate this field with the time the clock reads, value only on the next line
11:18
